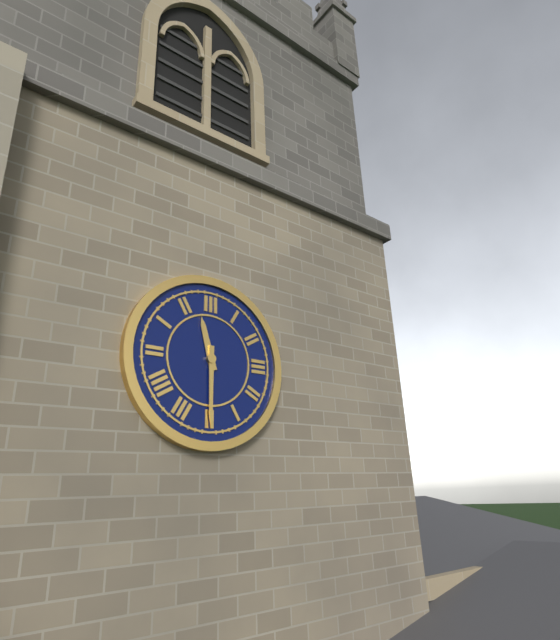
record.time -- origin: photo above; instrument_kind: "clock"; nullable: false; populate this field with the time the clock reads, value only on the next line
11:30
